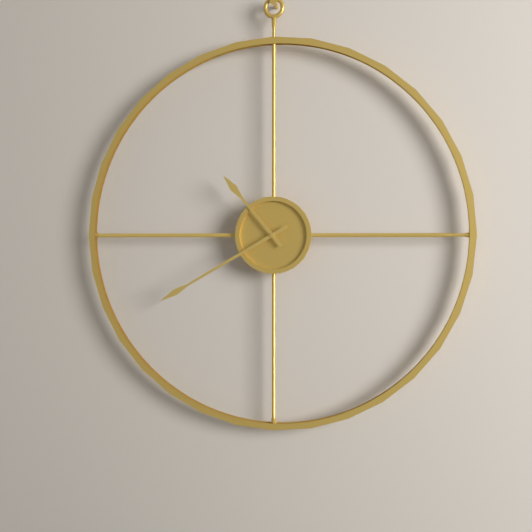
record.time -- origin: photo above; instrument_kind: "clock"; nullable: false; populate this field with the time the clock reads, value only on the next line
10:40
